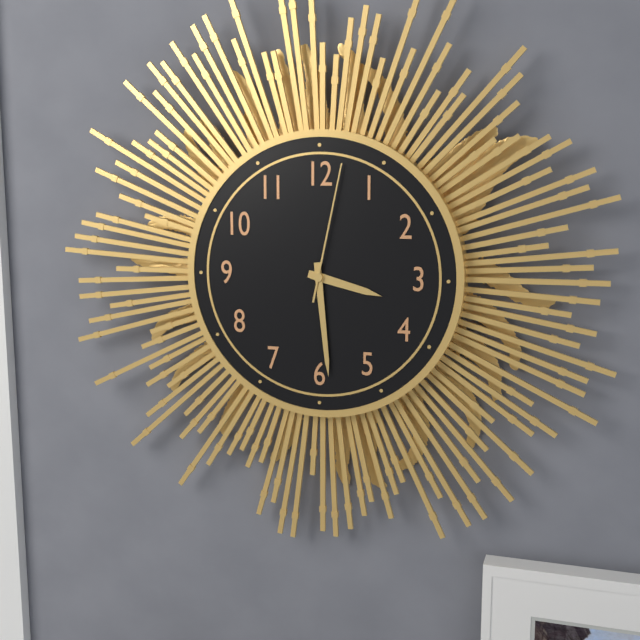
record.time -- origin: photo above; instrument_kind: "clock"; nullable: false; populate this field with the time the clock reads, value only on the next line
3:29:02
